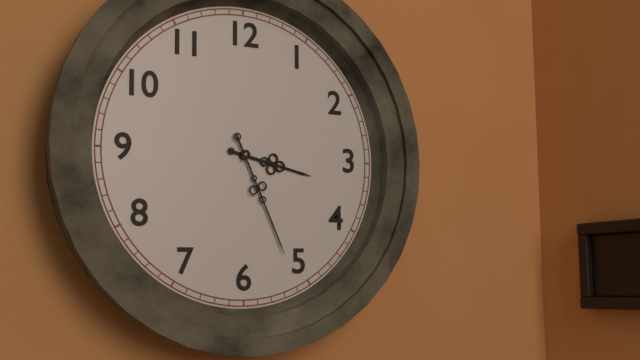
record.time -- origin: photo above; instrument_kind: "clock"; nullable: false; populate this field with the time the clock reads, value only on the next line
3:26
